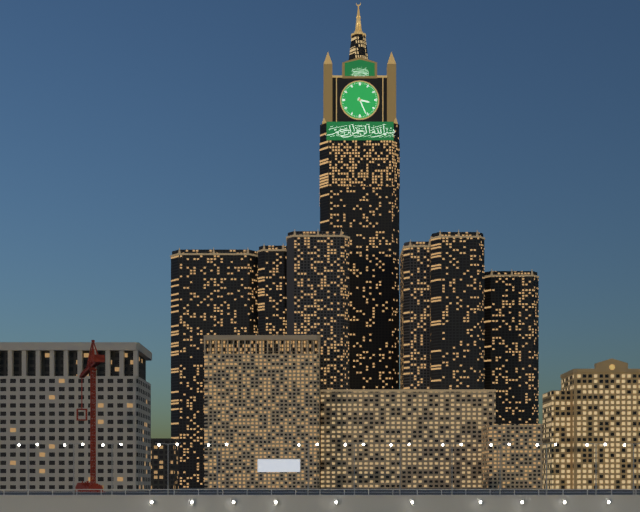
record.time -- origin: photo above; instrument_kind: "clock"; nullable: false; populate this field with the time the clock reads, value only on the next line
3:26
